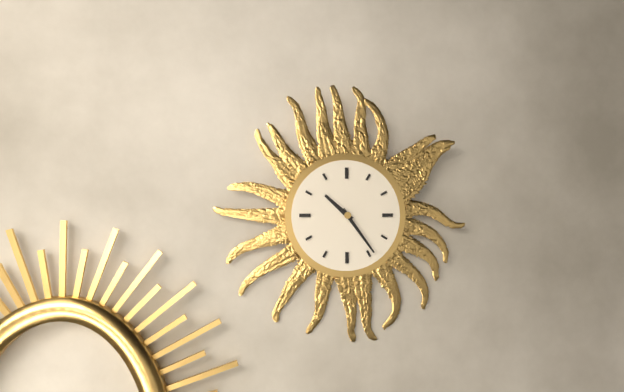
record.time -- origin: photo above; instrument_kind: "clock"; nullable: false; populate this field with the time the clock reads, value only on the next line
10:24
